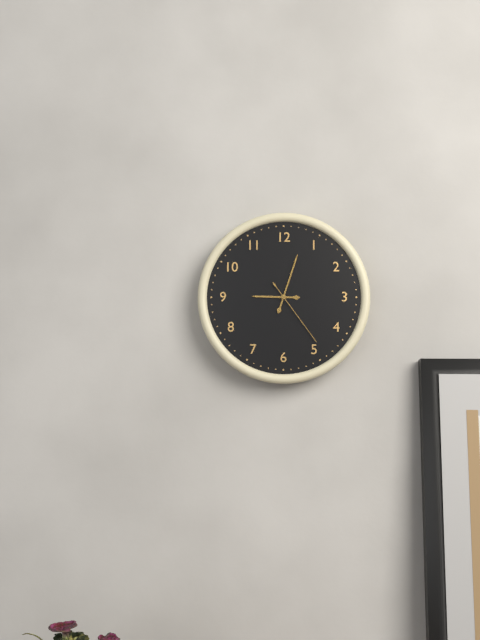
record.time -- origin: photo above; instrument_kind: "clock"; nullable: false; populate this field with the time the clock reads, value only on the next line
9:03:24
